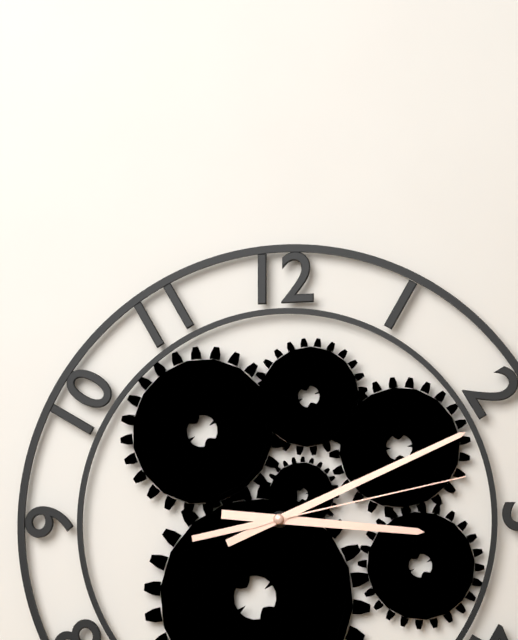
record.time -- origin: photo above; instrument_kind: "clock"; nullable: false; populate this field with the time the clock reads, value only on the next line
3:11:13
